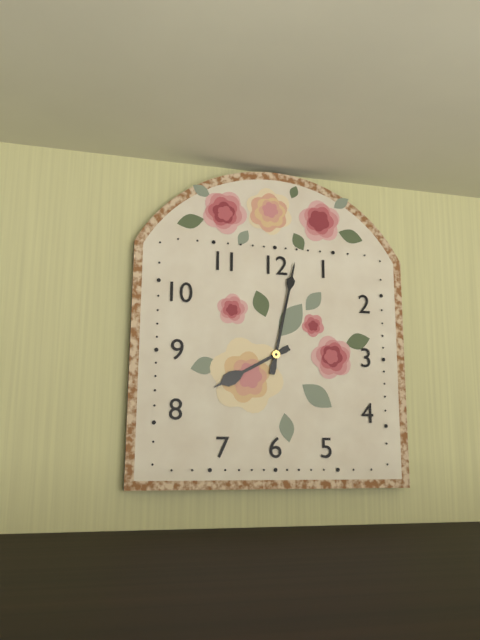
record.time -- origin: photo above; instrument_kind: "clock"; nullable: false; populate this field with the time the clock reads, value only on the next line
8:02
